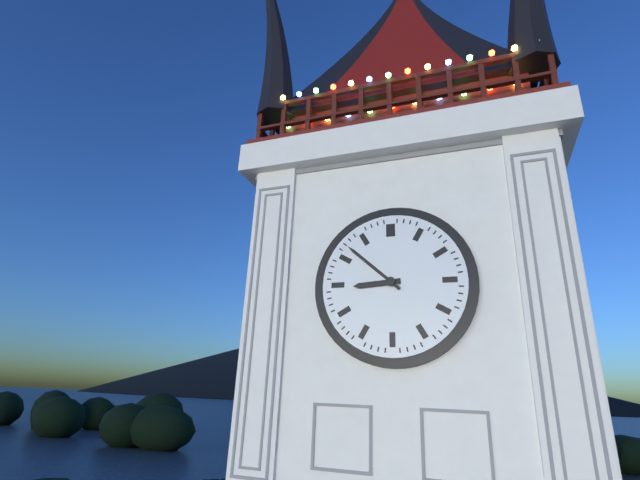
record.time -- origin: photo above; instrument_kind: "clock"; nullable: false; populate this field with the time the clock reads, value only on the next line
8:52
